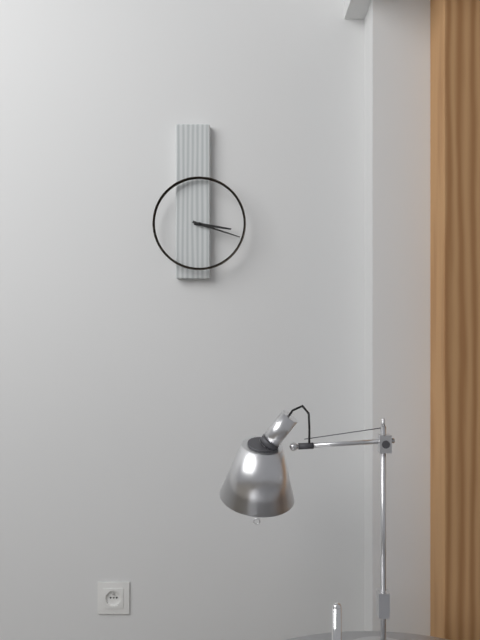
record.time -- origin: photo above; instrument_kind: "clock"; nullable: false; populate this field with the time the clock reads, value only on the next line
3:18
